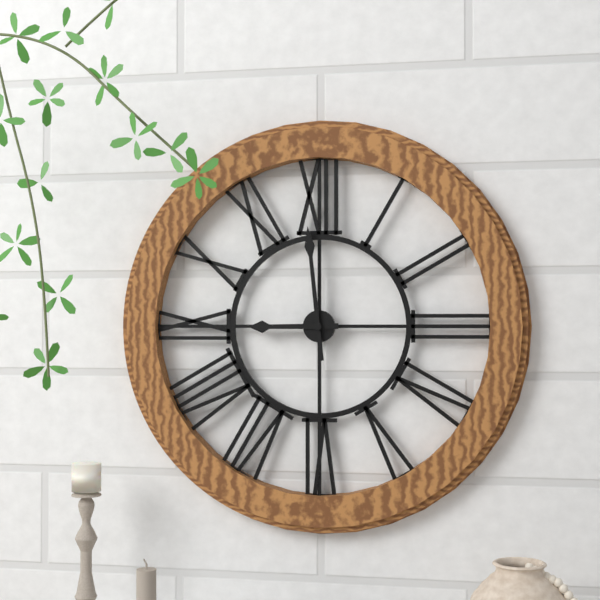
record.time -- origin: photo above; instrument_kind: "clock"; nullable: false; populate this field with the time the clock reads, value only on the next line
8:59
